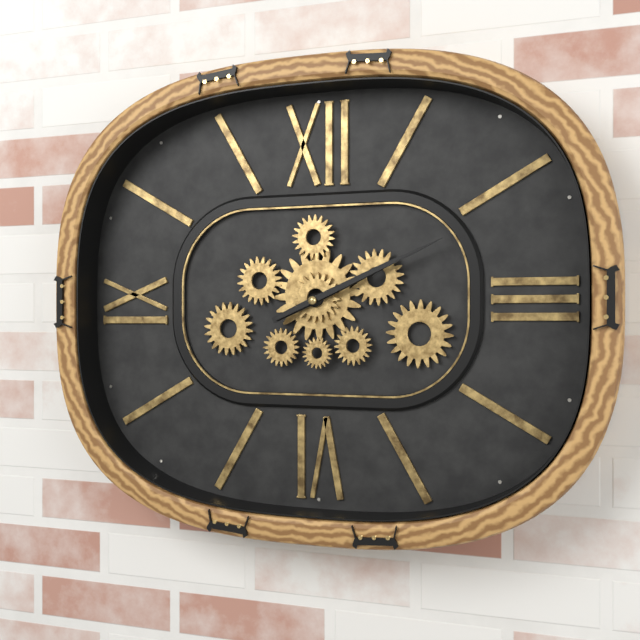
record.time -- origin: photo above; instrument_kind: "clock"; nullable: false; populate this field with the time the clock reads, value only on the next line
2:11
